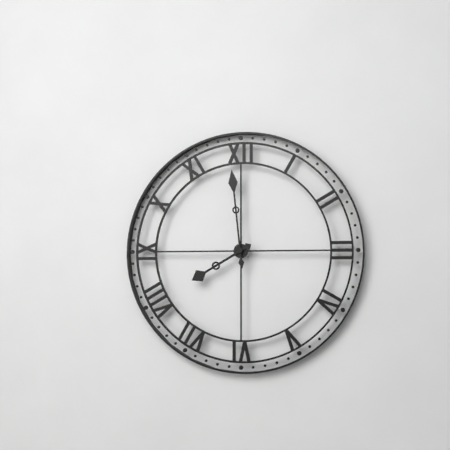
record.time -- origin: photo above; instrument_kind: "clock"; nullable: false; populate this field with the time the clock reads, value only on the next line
7:59
